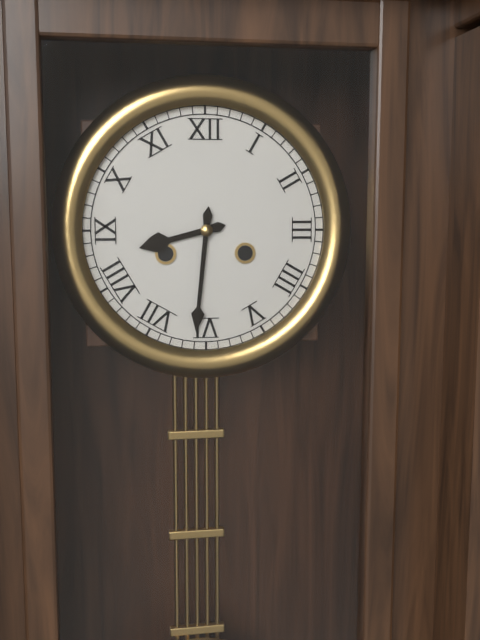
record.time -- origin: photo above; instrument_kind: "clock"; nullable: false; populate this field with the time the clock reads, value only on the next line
8:31
